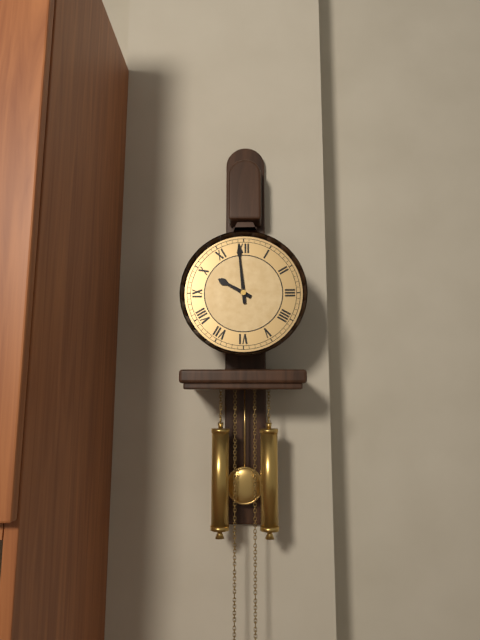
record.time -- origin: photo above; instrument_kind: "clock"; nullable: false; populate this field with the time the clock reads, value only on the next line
9:59
